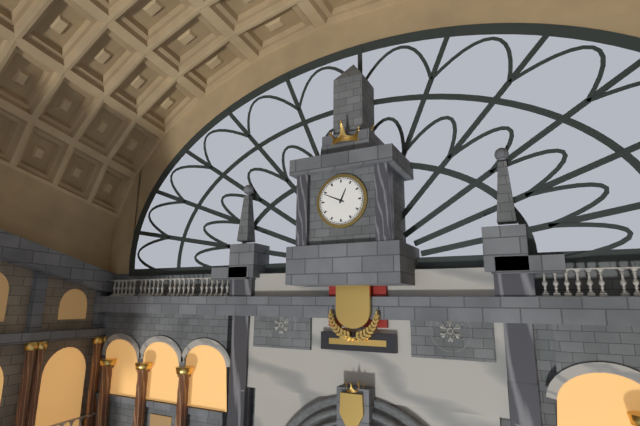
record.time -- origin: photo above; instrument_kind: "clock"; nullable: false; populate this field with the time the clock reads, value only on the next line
12:49
